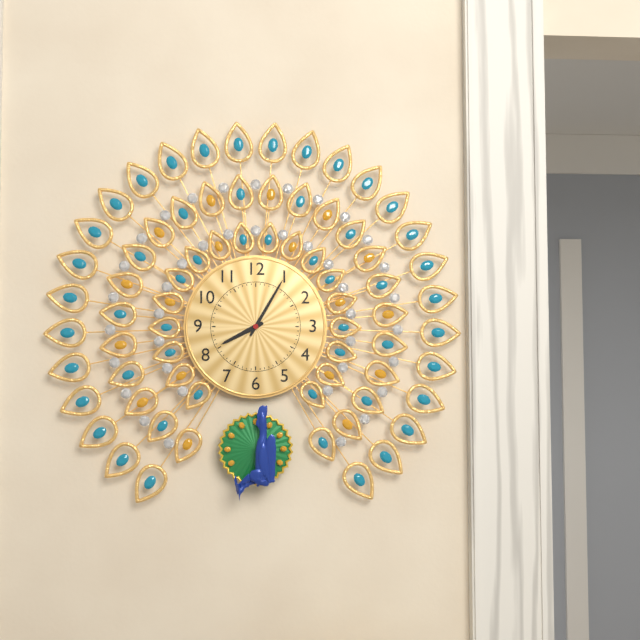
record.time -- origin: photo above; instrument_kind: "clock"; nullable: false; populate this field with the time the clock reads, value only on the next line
8:05
